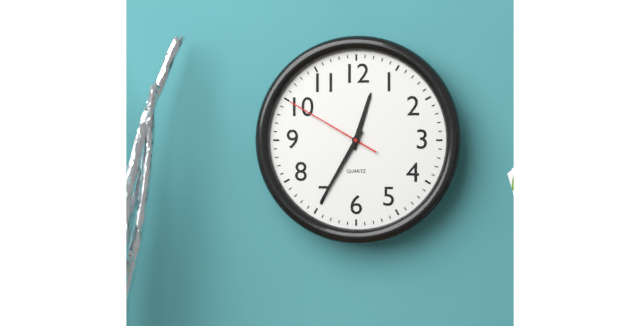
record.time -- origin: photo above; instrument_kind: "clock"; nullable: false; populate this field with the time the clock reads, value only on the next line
12:35:50
